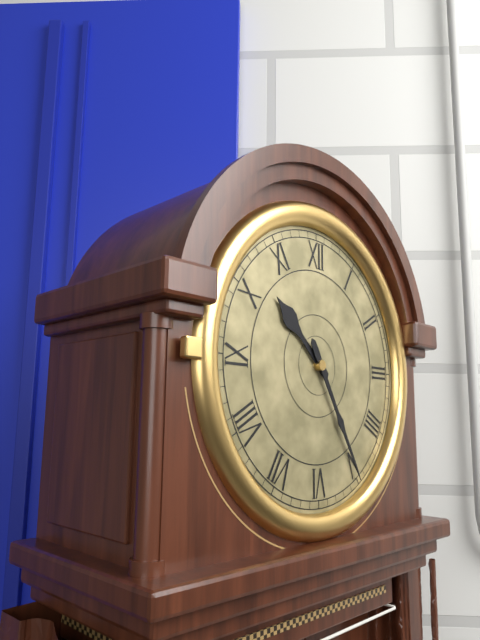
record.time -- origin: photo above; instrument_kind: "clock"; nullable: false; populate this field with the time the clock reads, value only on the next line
10:25
